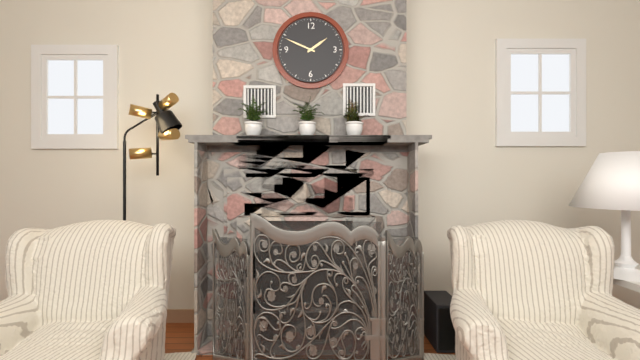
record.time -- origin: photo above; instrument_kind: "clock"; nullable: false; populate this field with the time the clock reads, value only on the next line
1:49
